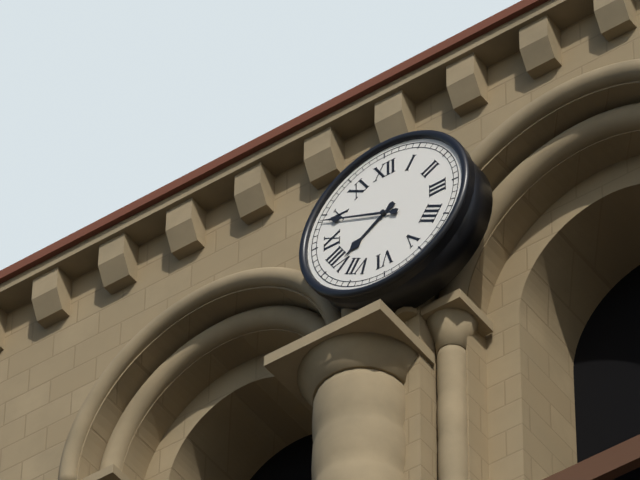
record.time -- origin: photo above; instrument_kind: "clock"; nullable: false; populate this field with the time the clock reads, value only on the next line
7:49
